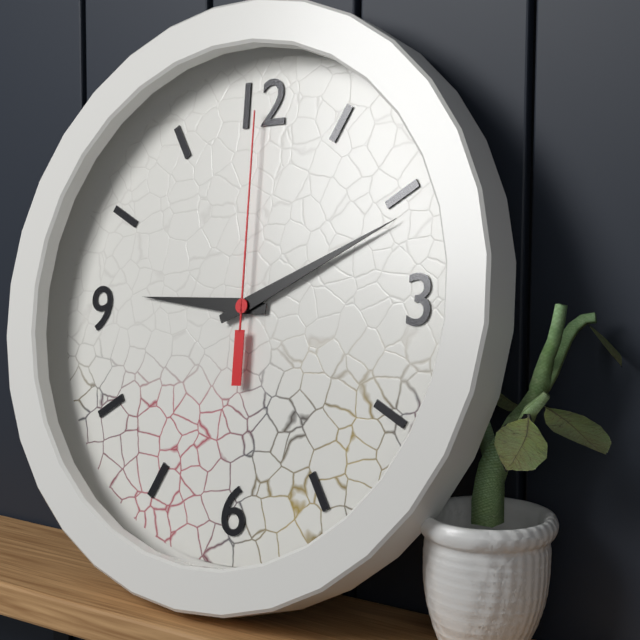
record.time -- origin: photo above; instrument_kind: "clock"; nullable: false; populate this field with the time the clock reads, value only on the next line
9:11:00
